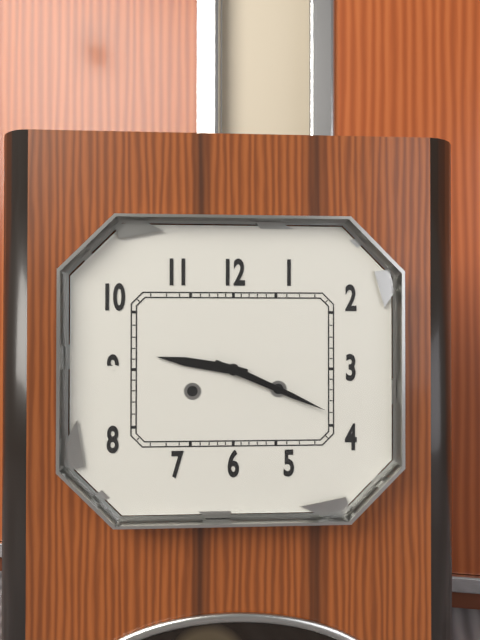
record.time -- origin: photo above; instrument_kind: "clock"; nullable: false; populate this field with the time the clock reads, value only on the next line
9:19
